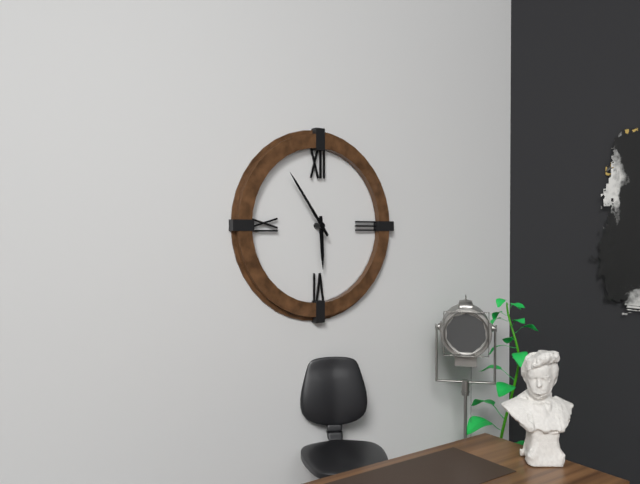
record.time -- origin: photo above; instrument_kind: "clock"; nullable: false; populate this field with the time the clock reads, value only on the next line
5:54
